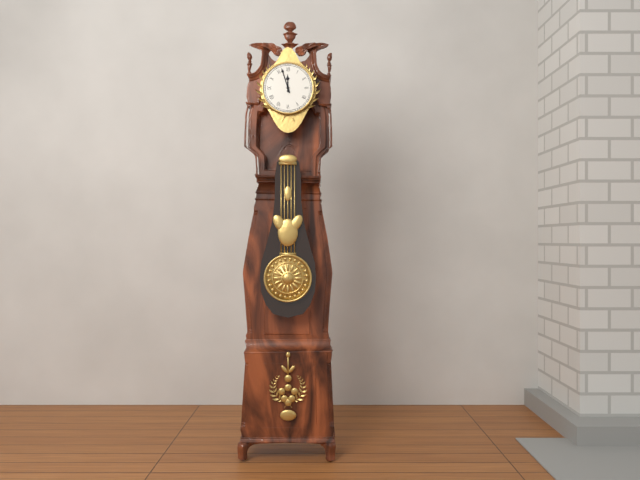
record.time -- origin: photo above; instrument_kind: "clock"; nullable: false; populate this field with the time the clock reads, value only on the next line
11:57
